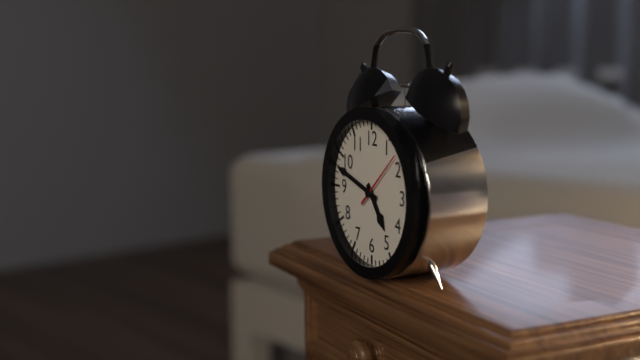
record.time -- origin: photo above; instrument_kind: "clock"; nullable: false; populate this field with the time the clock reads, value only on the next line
4:48:08
